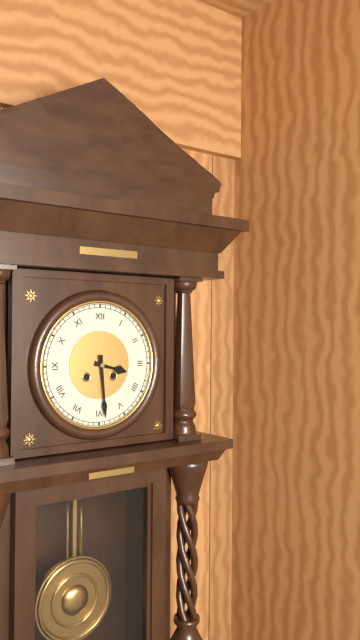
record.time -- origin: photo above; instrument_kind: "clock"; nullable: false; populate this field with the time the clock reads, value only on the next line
3:29
